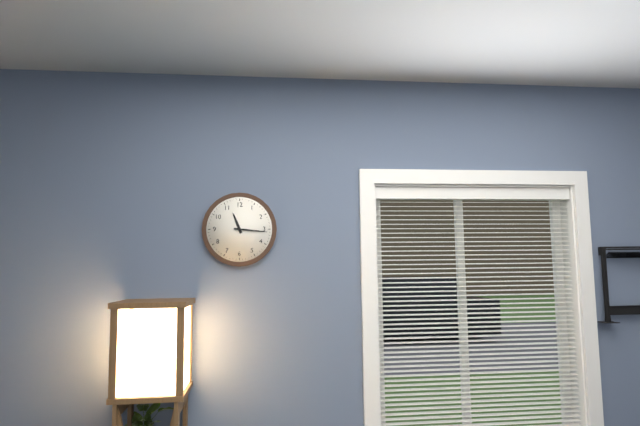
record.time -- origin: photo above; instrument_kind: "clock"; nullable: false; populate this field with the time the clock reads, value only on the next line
11:16
